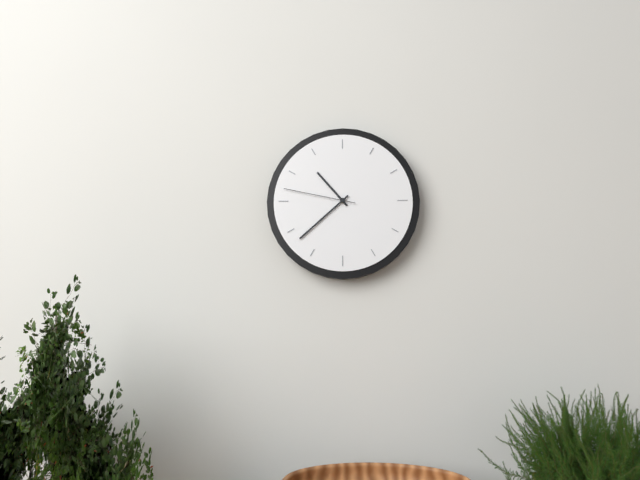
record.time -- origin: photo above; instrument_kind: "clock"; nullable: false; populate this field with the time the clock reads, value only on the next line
10:38:47
